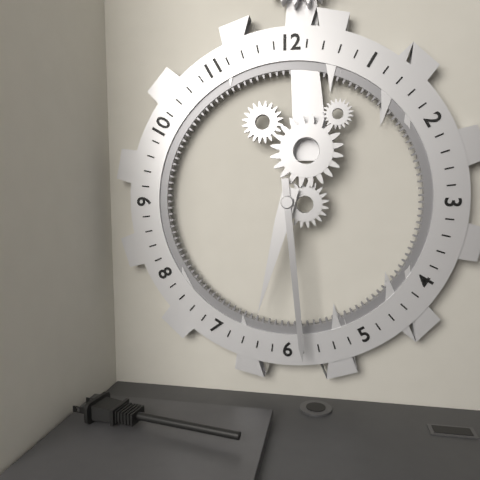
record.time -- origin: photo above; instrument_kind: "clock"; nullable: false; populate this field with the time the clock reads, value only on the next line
6:29
